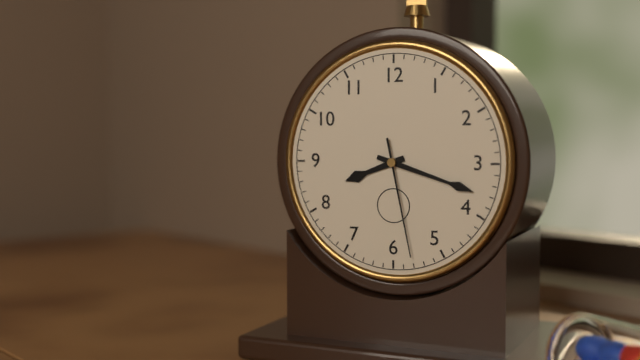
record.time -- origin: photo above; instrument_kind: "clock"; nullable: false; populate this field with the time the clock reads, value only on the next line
8:18:28
